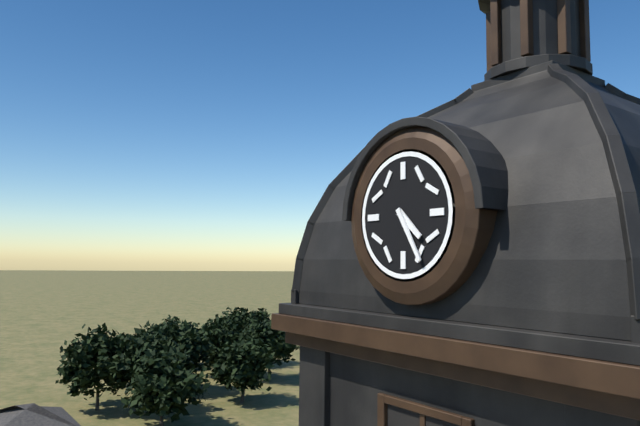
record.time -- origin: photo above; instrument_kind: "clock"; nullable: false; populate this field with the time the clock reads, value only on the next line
4:25
